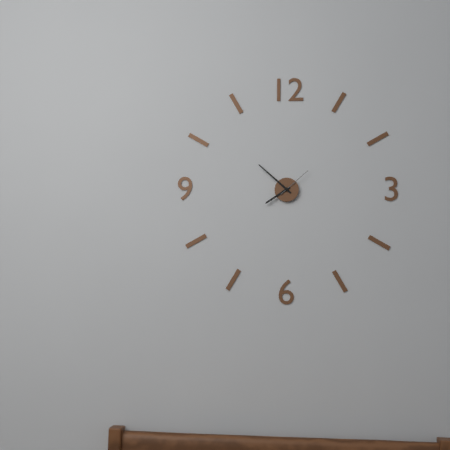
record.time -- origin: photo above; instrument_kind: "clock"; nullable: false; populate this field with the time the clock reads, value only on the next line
7:52
